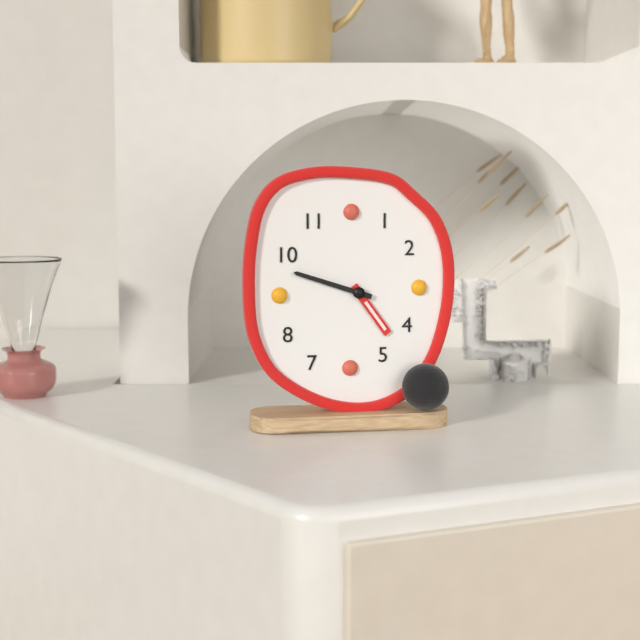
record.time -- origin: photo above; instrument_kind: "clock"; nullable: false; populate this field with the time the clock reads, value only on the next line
4:48
